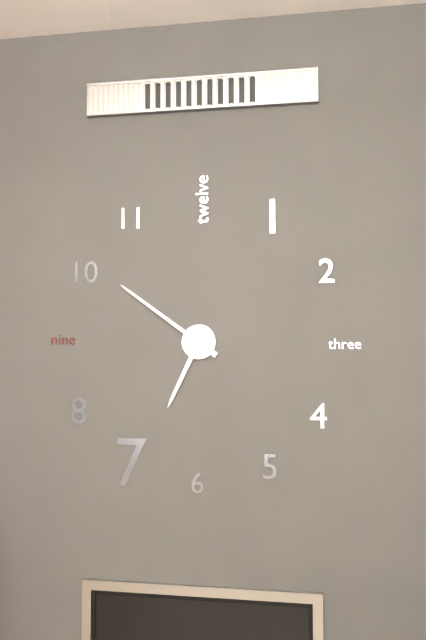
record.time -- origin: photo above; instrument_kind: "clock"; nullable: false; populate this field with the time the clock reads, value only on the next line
6:51
